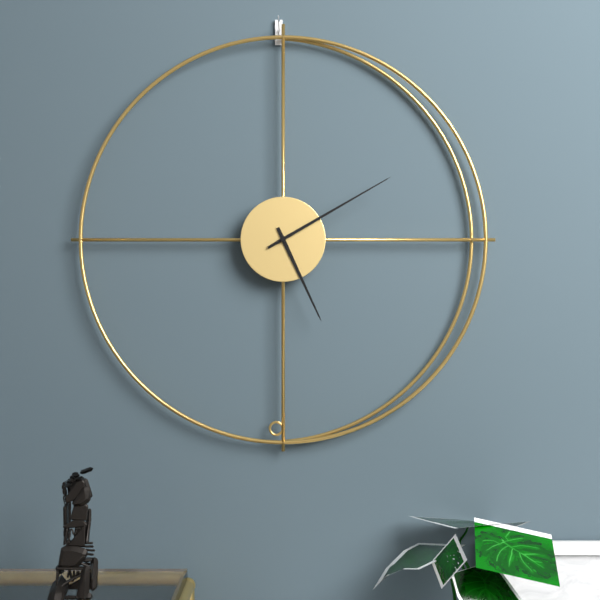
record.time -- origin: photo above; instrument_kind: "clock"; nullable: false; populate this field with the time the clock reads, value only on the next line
5:10
